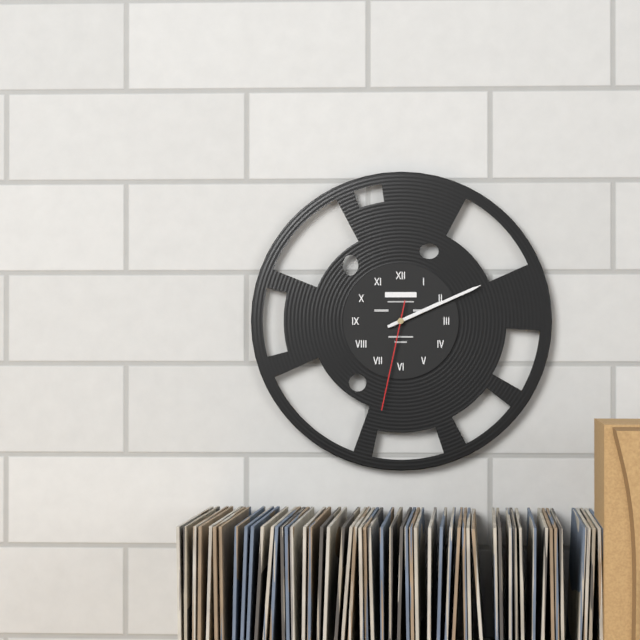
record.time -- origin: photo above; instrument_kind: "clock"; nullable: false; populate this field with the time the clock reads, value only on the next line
2:11:32
